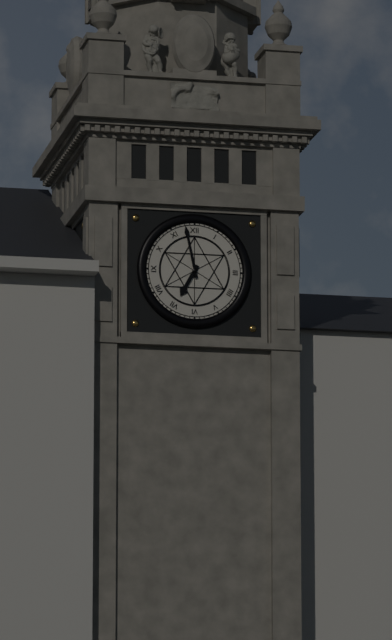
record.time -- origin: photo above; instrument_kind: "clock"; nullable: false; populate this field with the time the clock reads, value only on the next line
6:58
